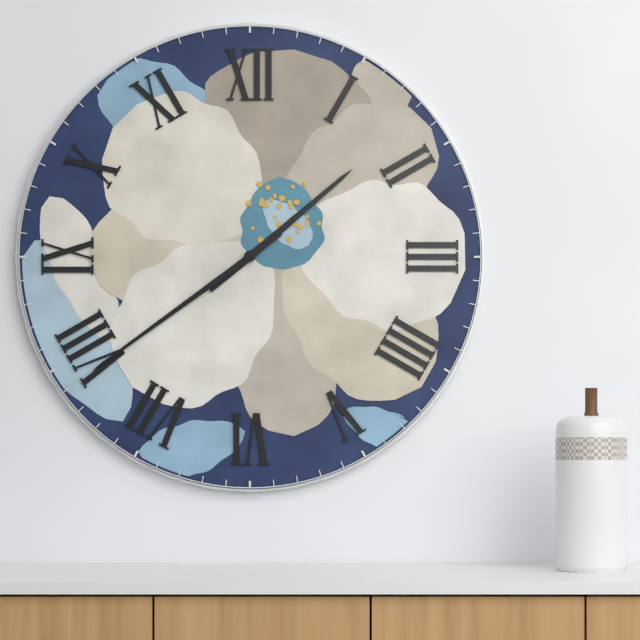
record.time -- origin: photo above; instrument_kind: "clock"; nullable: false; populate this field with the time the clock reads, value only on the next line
1:39
